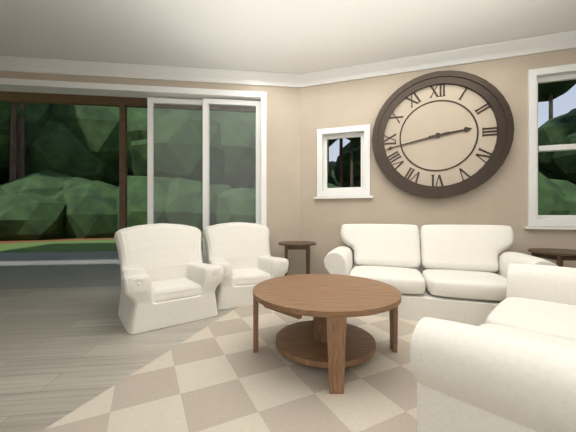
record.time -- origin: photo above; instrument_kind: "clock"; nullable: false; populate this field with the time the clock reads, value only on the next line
2:43
